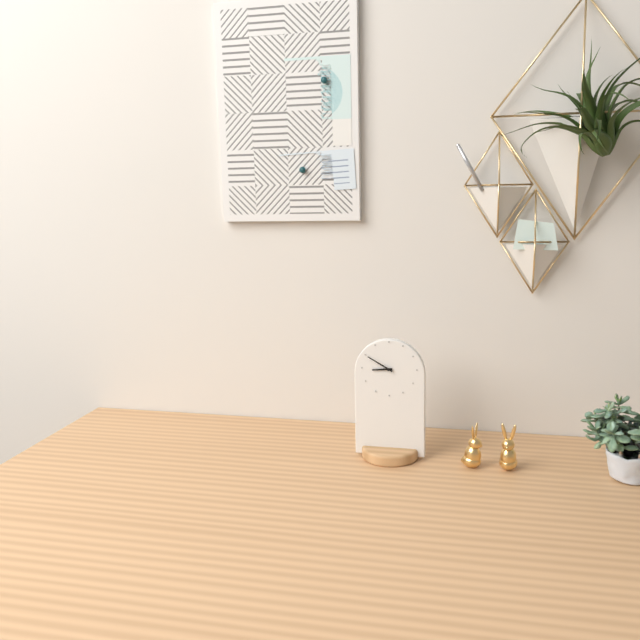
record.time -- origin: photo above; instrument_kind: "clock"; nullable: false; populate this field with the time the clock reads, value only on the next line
8:50
